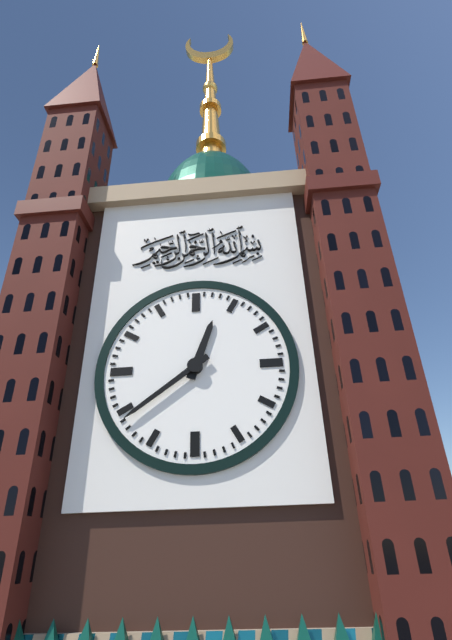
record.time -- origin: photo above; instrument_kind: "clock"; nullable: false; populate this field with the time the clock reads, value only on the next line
12:39
